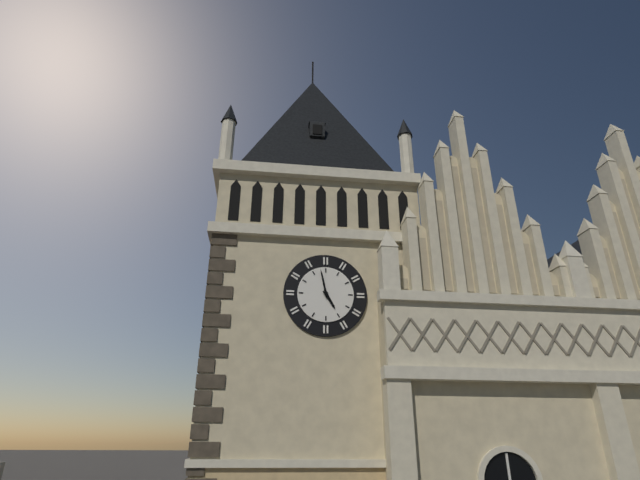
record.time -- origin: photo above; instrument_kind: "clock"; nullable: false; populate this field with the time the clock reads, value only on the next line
4:58
